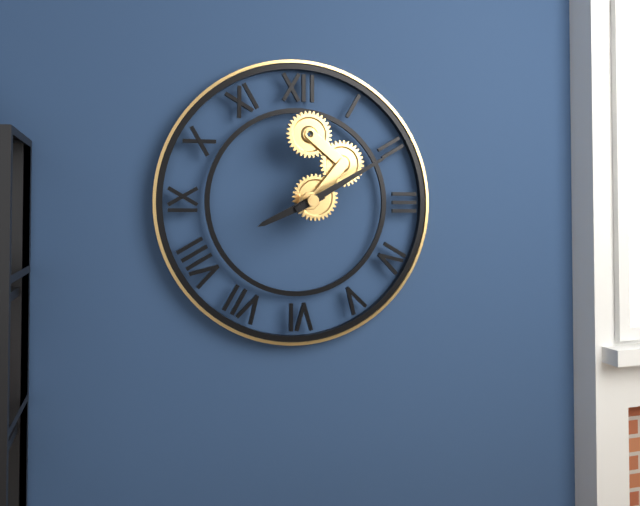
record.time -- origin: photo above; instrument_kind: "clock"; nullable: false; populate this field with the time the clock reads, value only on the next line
8:10
